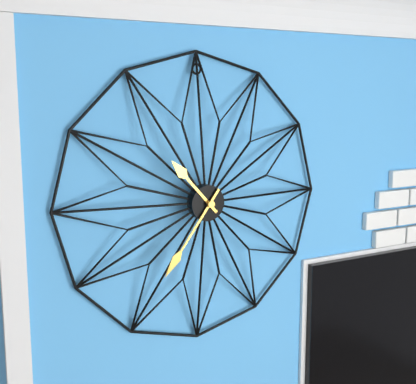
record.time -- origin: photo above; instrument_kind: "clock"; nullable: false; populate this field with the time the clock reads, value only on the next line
10:36
